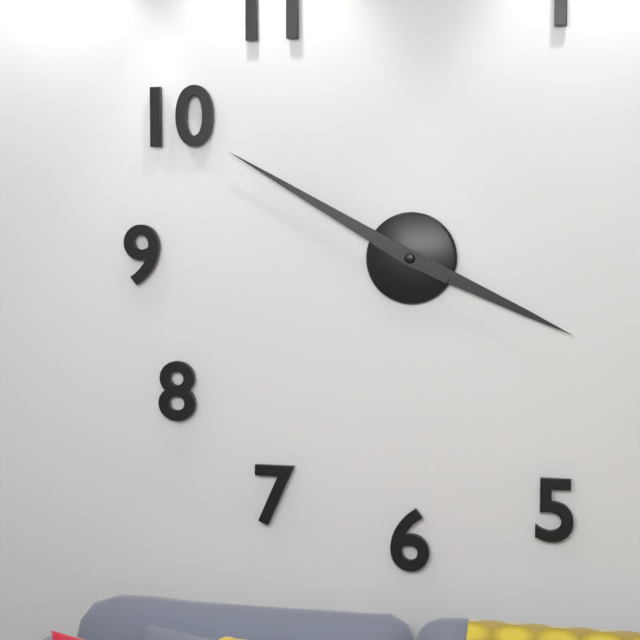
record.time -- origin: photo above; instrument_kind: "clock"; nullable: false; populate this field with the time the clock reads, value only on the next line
3:50
